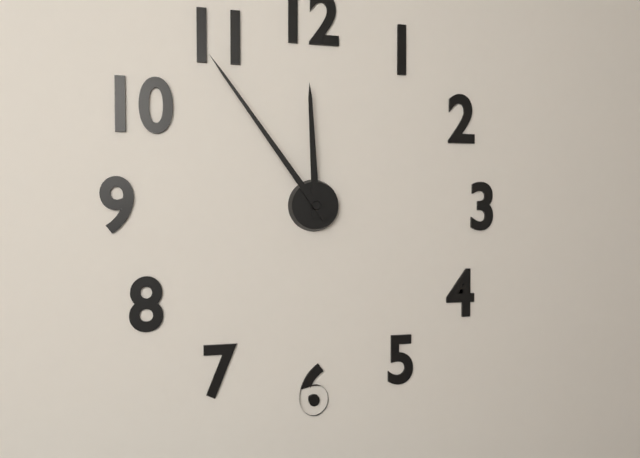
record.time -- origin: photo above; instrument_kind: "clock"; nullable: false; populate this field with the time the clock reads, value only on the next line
11:54
